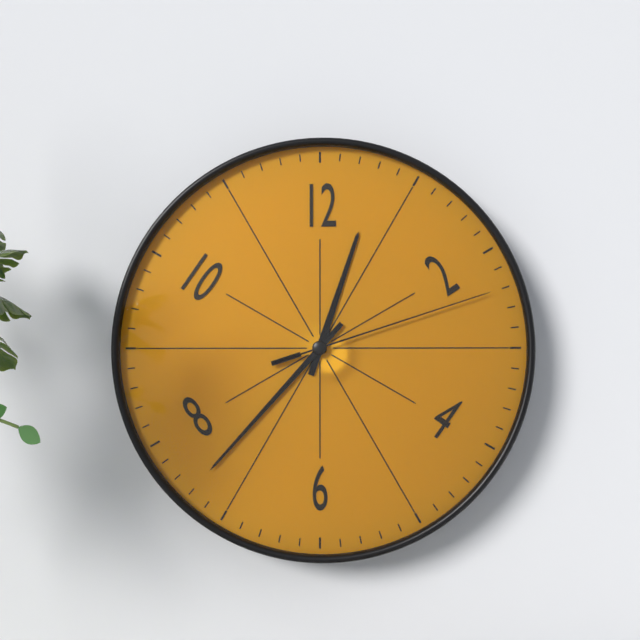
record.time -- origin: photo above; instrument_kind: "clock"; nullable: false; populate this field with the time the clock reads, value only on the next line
12:37:12
